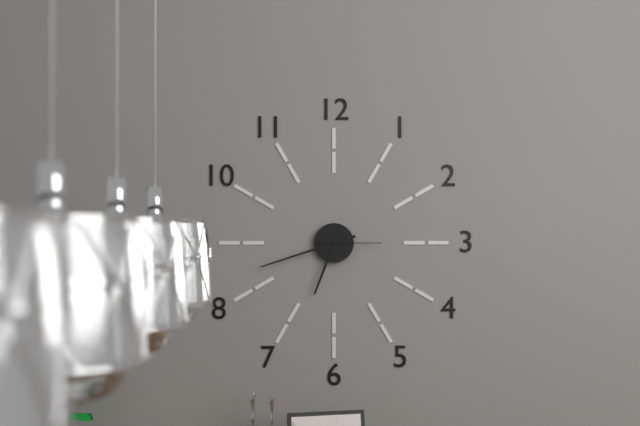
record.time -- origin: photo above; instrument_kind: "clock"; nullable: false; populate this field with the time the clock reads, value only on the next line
6:42:15
